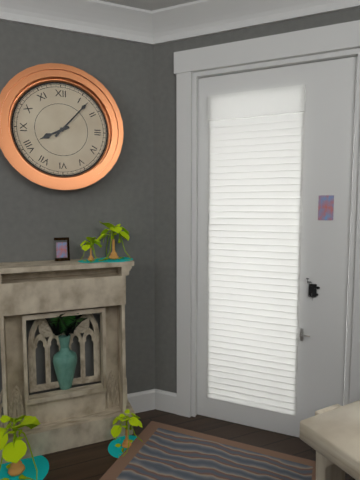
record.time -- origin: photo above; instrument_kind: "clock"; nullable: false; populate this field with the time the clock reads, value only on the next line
8:07
